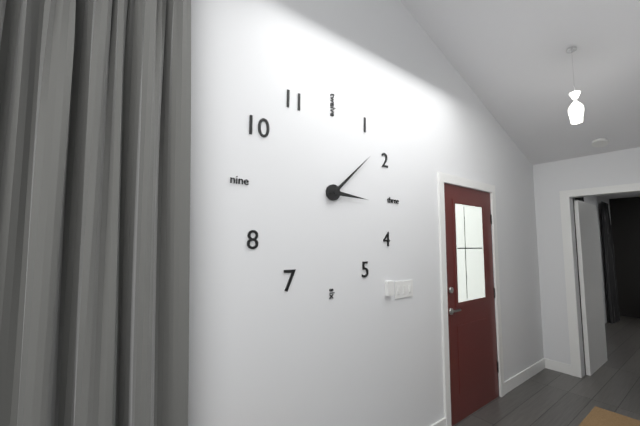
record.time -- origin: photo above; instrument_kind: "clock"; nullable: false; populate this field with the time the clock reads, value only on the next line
3:08
